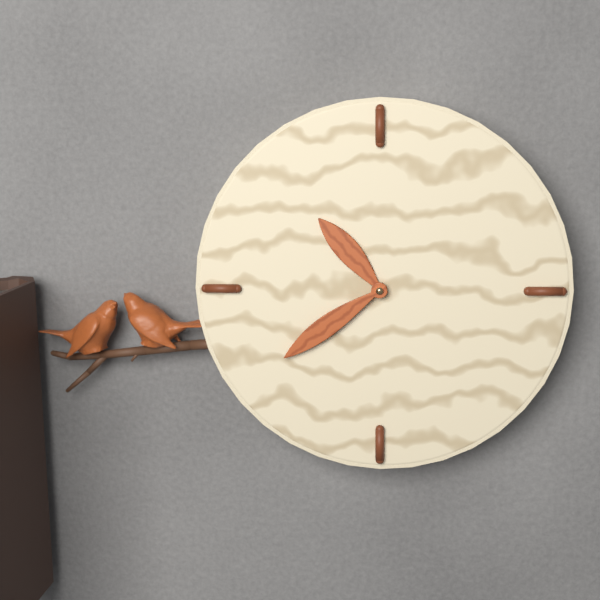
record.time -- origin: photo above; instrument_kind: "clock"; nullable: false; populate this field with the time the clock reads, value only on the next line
10:39
